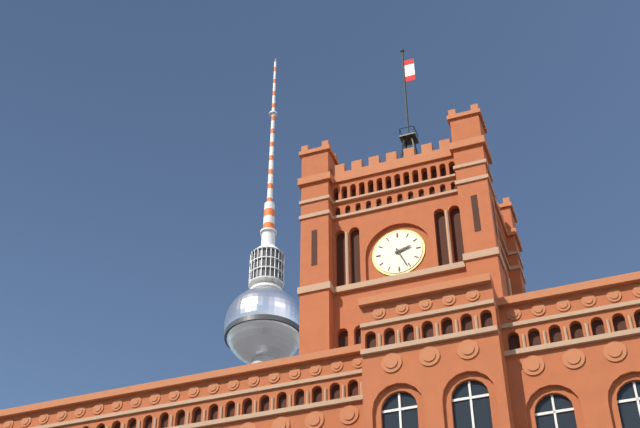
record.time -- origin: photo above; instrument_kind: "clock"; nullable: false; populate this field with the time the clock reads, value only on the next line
2:26
